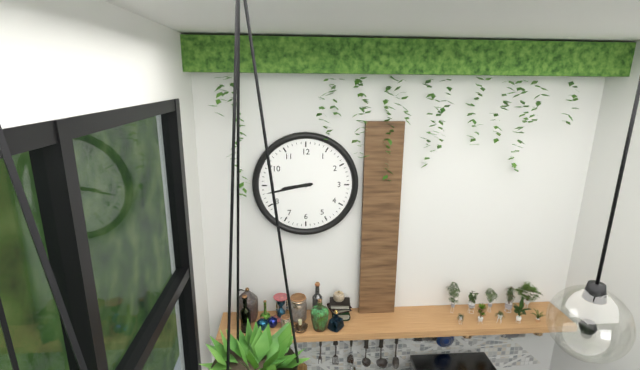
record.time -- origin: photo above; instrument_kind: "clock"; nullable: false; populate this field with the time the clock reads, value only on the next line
8:43
